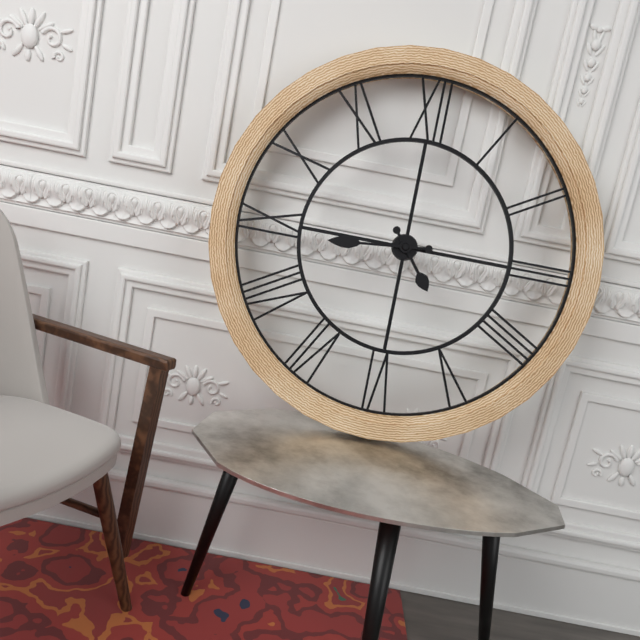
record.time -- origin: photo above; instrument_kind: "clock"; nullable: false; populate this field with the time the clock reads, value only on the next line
4:44
